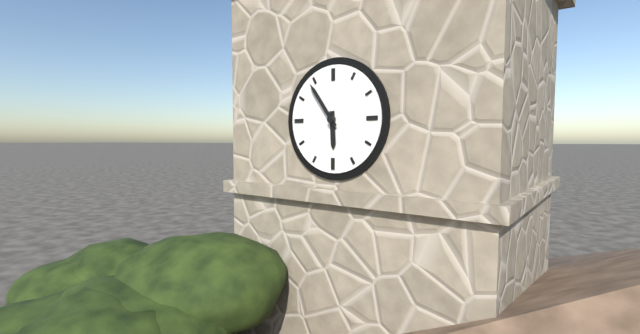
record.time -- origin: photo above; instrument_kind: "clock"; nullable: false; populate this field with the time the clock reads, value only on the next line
5:54
